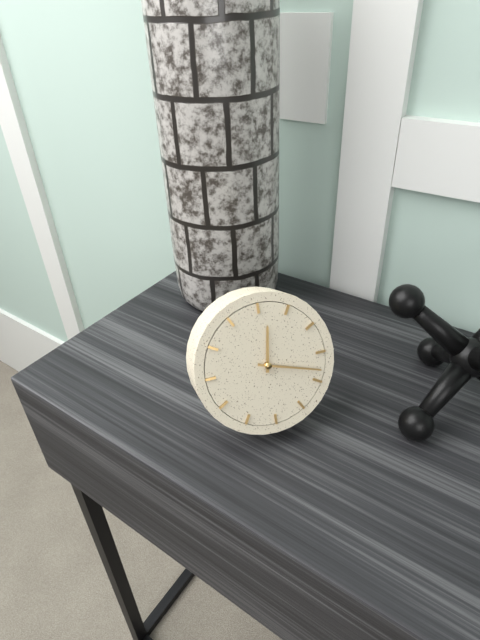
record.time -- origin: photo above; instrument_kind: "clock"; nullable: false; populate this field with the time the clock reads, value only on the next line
12:18
